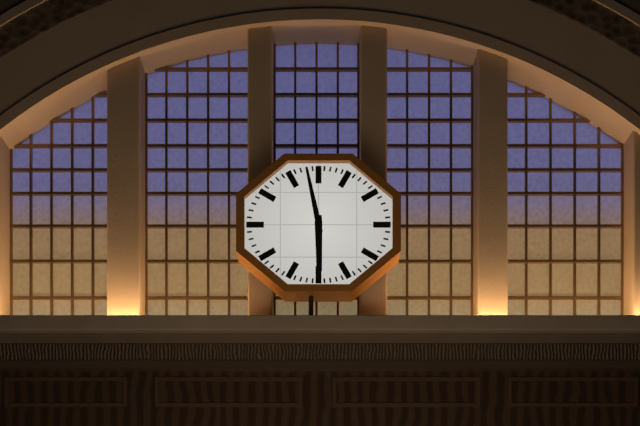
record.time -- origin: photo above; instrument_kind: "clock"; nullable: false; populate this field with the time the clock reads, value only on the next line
5:58
